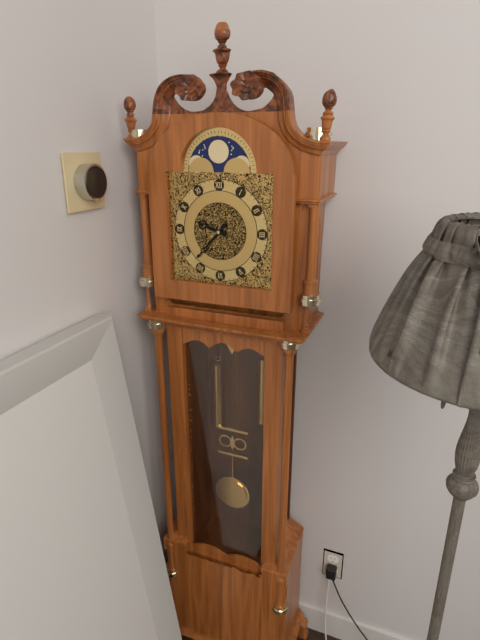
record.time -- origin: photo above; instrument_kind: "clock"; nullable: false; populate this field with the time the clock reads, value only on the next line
9:37
